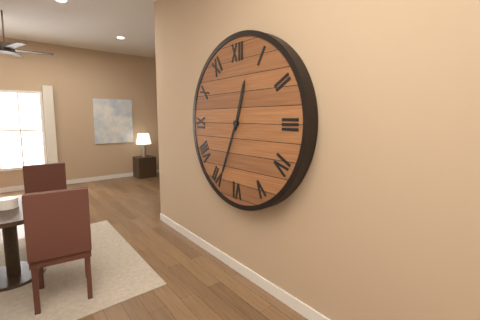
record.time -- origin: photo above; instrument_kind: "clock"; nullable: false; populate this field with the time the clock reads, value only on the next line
12:34
